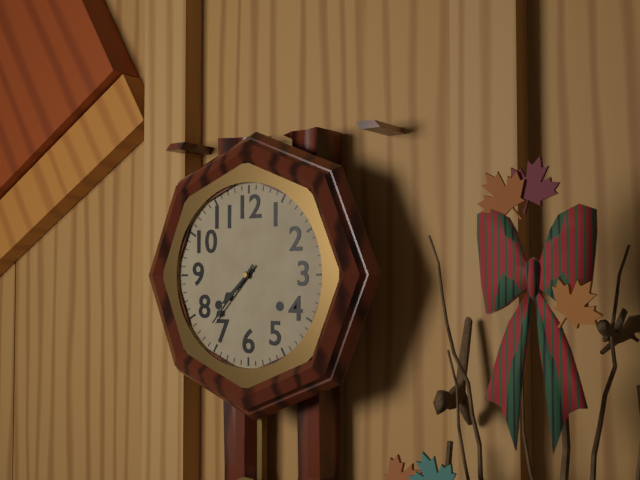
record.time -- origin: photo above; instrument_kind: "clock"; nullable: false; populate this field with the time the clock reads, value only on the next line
7:37
